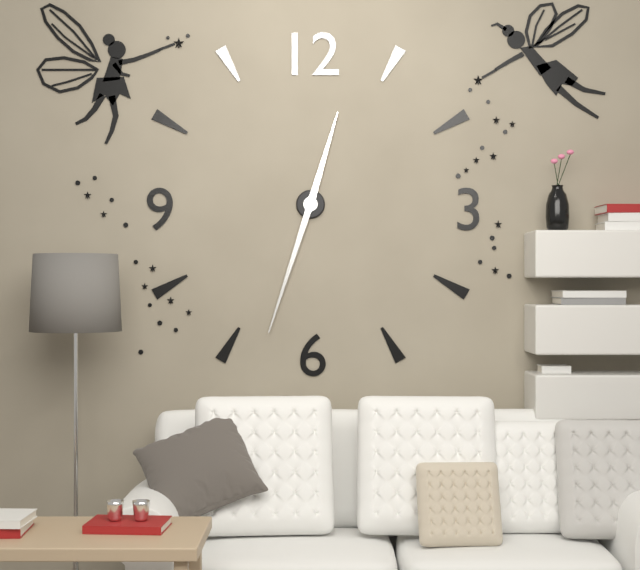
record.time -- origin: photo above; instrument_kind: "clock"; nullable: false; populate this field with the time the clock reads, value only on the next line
12:33
